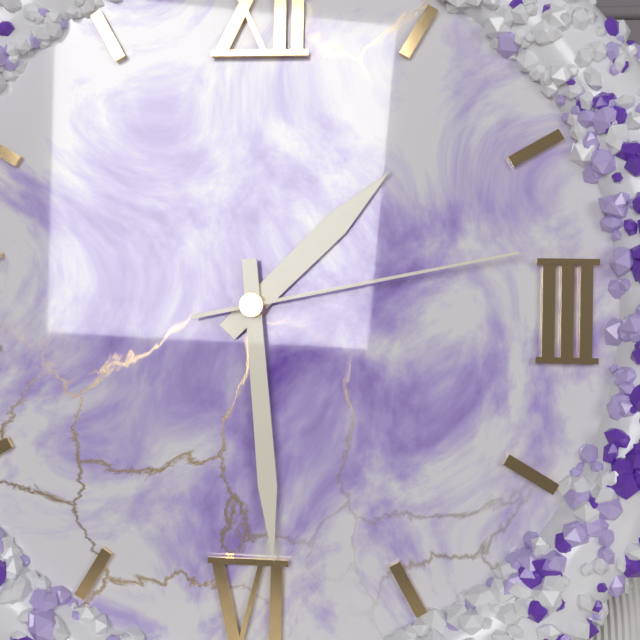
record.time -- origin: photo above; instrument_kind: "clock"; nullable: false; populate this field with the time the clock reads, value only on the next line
1:29:13
